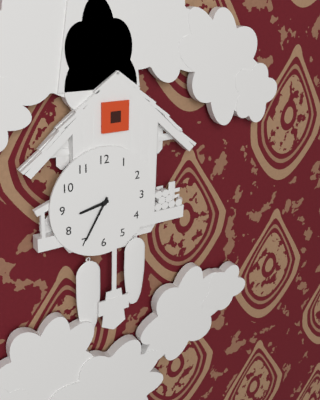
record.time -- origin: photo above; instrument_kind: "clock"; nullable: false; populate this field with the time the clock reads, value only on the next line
8:35
